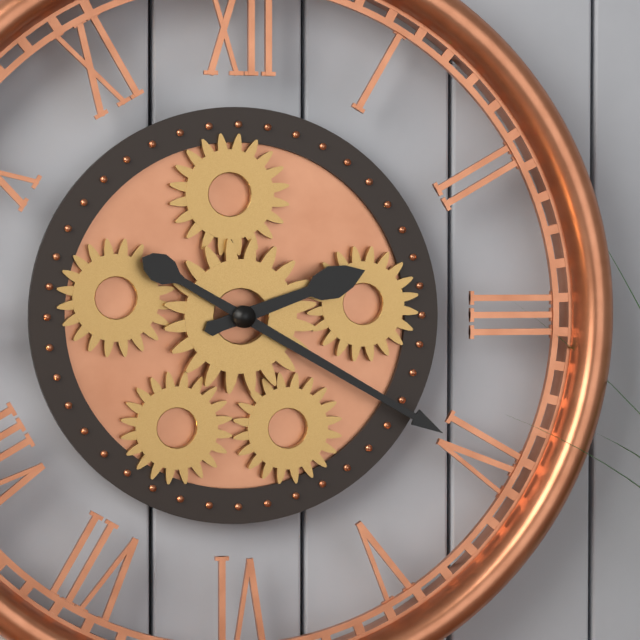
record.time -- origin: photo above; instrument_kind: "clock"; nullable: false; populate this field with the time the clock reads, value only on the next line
2:20
